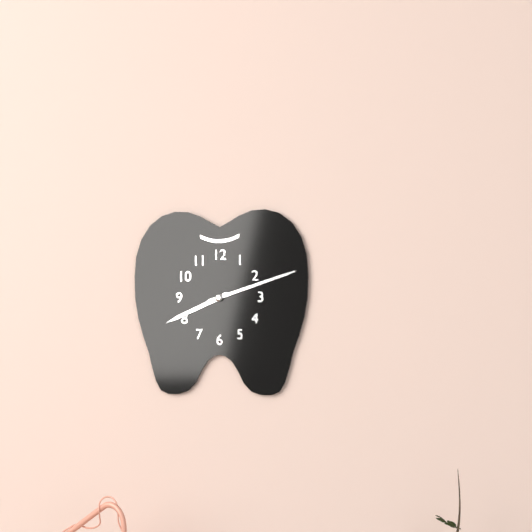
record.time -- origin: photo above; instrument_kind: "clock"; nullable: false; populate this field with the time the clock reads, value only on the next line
8:12
